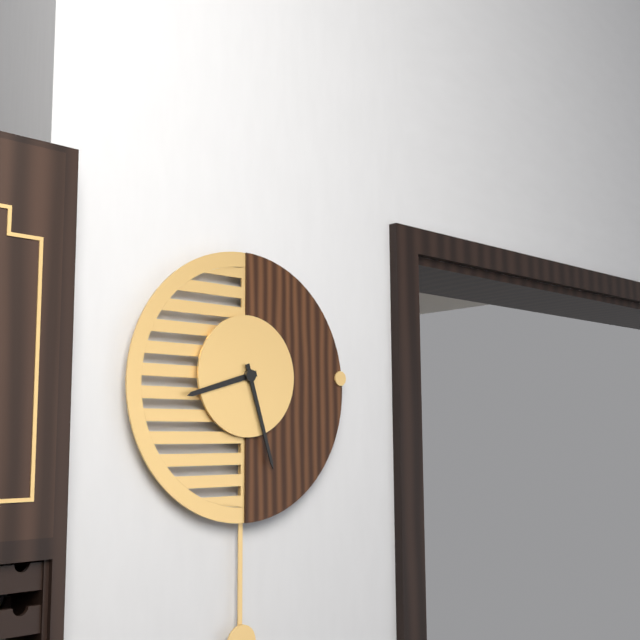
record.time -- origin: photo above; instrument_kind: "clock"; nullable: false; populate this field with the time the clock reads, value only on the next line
8:27
